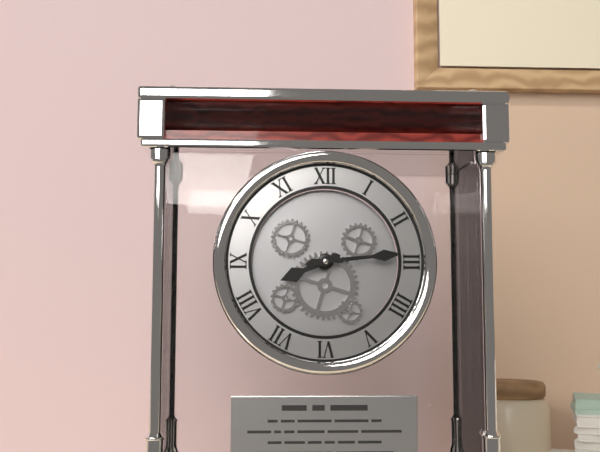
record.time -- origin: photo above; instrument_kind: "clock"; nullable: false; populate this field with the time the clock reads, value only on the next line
8:14
